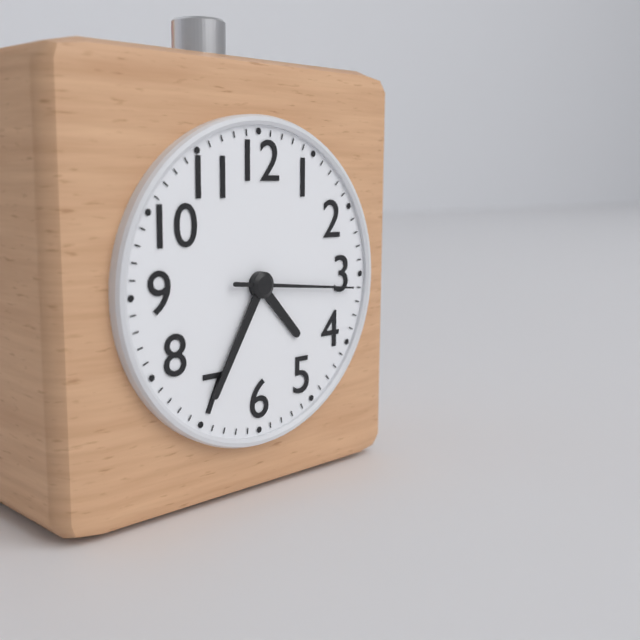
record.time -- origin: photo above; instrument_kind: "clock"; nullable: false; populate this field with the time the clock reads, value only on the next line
4:35:16
